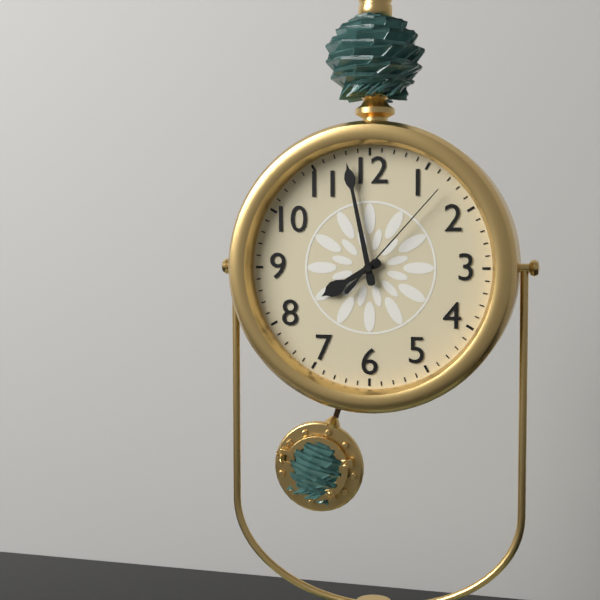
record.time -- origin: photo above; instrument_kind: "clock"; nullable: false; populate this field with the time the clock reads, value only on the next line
7:58:07
